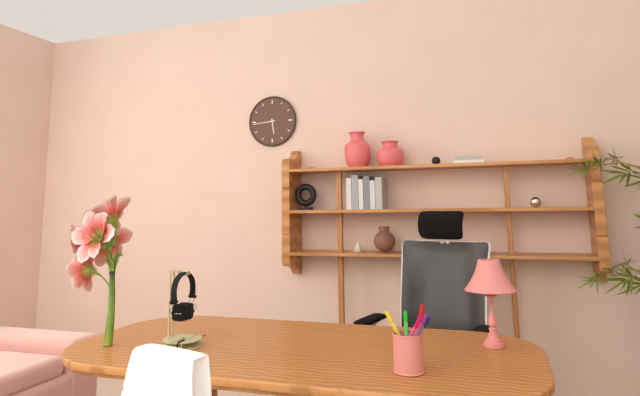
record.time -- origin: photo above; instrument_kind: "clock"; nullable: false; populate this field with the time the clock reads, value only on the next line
5:44
